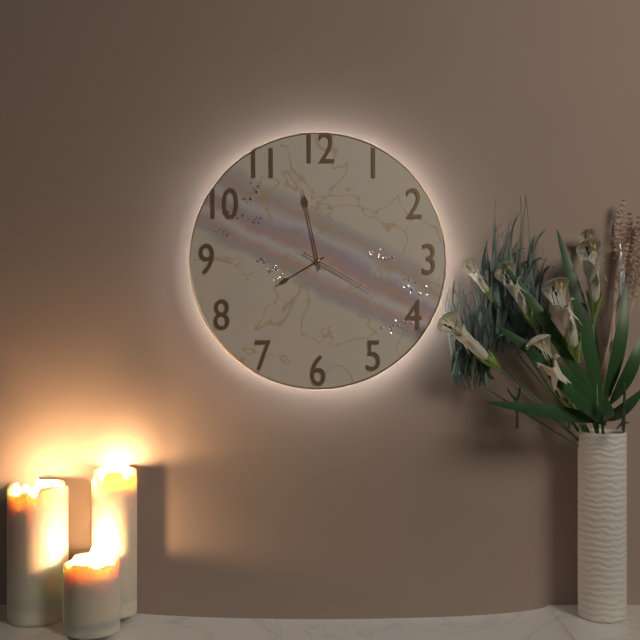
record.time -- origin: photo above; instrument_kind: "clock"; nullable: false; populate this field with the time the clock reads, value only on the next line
7:58:20
